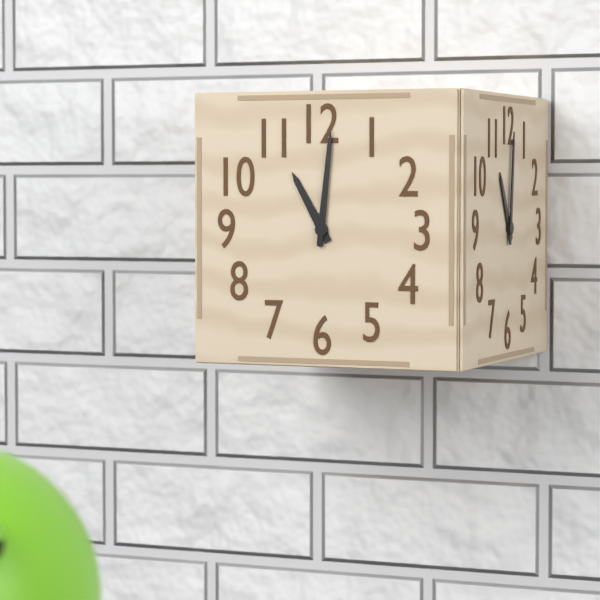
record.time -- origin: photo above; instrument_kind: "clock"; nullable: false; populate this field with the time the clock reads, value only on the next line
11:01
